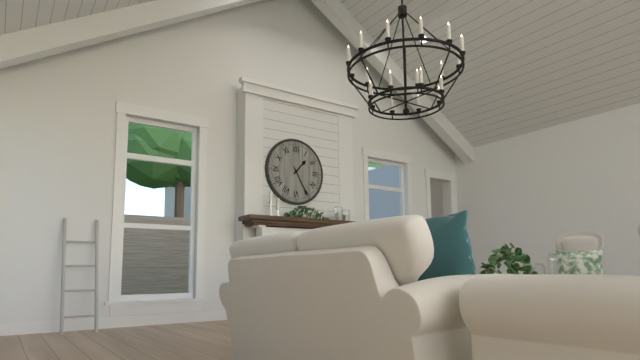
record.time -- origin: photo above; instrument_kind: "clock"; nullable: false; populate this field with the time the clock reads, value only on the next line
1:25
